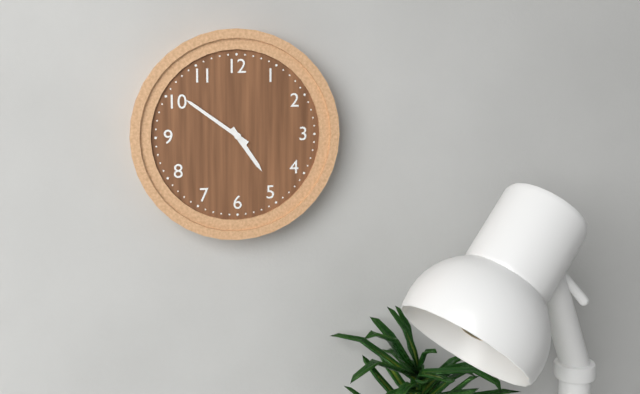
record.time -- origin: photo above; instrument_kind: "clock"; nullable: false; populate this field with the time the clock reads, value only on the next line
4:51
